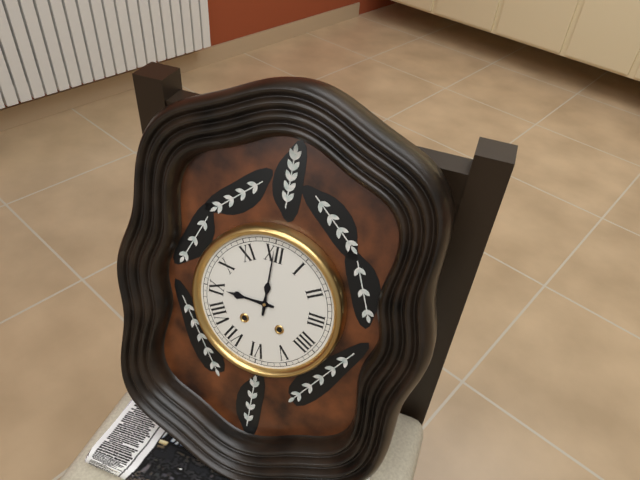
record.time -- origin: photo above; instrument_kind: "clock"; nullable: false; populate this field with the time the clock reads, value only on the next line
9:00
